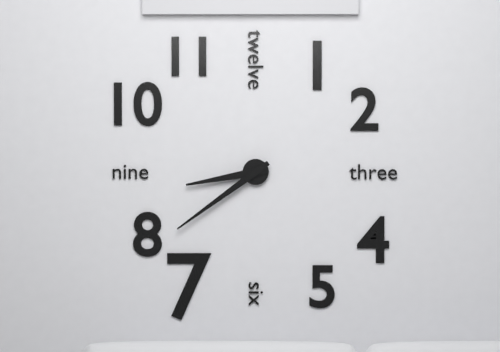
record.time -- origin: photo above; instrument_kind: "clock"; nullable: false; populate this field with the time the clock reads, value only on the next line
8:39
